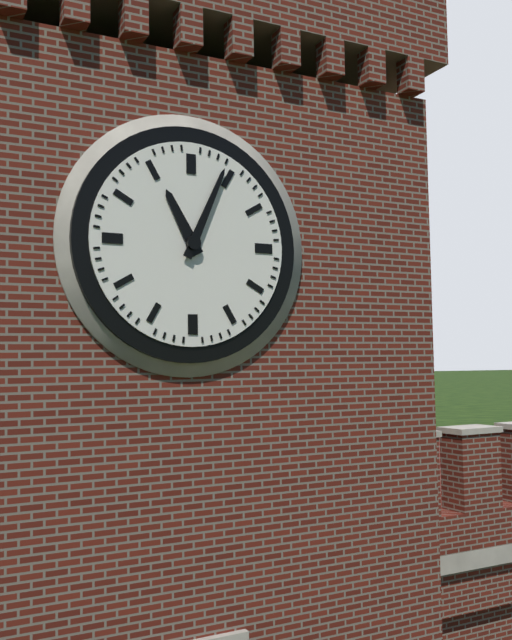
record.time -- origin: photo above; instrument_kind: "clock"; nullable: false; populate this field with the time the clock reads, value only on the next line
11:04
